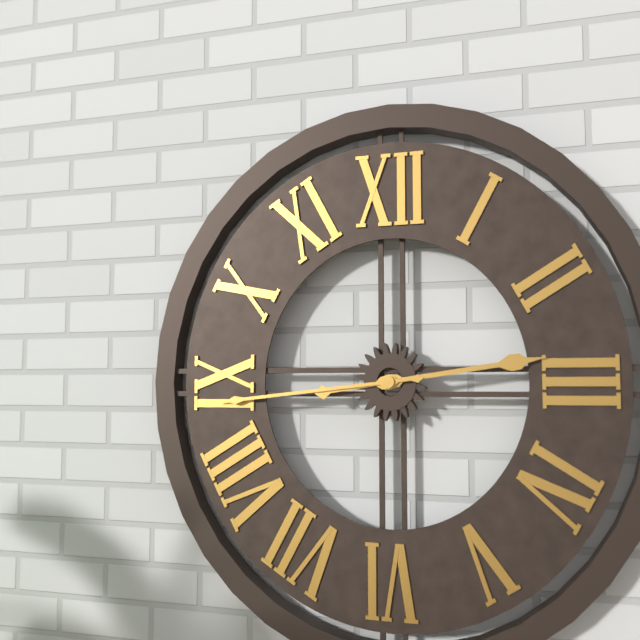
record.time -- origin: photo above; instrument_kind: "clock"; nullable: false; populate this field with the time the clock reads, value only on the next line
2:44
